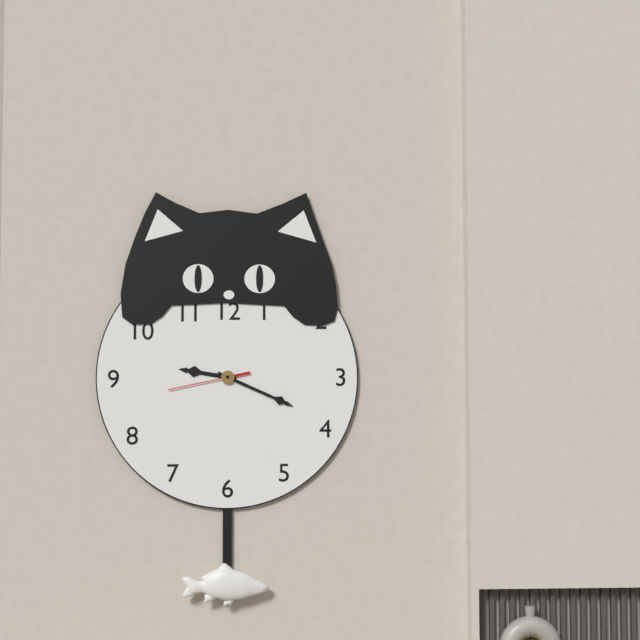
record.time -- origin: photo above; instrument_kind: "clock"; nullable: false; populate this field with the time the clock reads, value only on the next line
9:19:43
